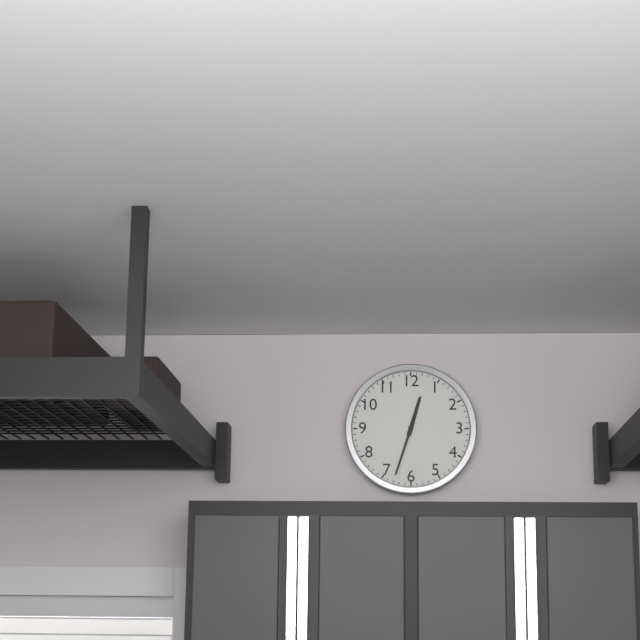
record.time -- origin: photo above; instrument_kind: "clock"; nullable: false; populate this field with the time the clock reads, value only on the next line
12:33
